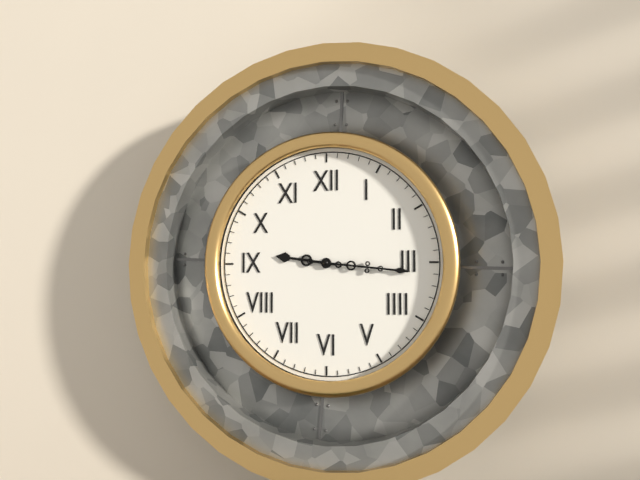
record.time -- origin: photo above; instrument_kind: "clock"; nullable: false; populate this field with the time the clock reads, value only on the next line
9:16
